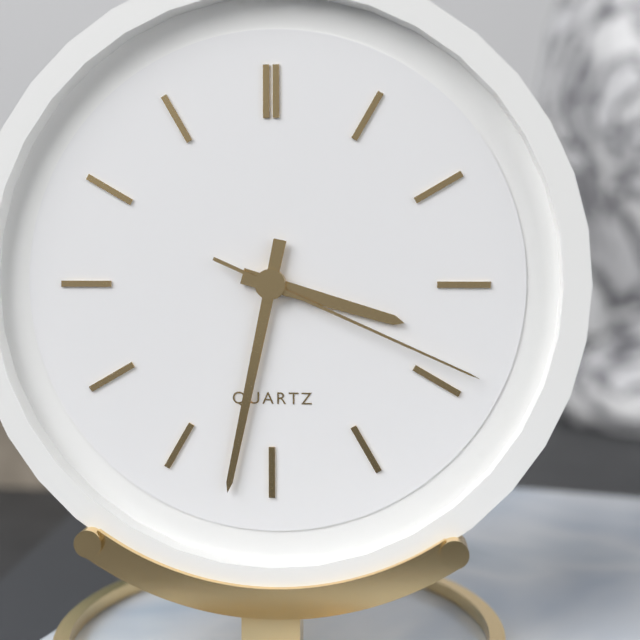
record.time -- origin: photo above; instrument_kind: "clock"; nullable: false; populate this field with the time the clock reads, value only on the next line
3:32:19
